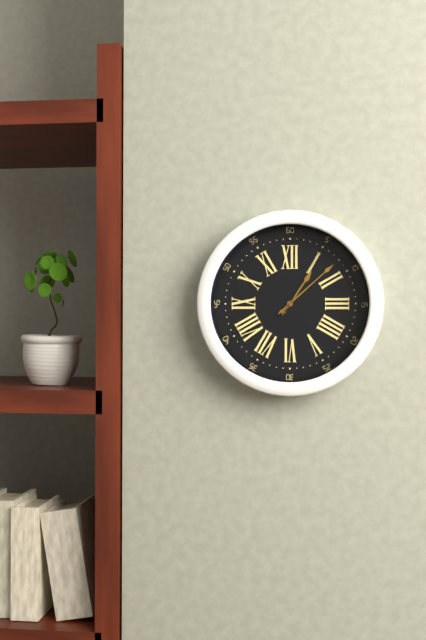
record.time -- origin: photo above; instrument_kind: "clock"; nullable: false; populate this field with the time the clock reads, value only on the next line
1:08:05
